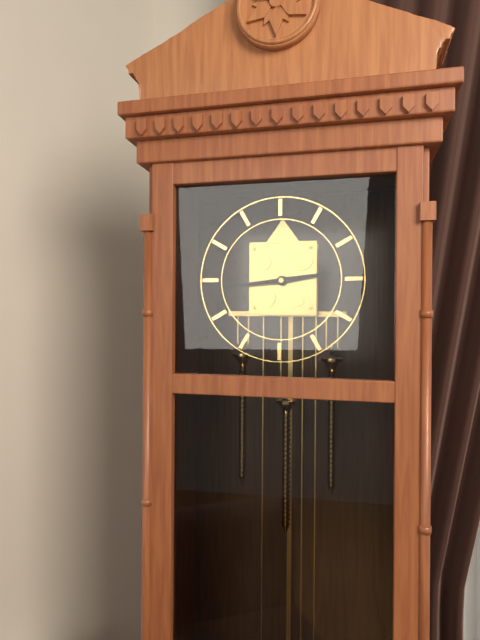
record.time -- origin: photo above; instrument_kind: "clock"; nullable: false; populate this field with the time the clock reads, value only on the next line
2:44
